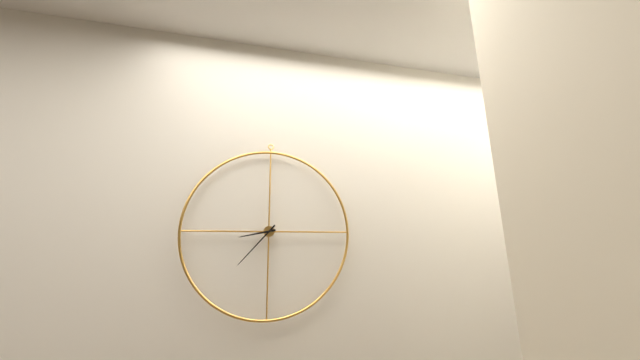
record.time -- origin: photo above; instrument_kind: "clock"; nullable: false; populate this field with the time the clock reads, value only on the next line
8:37
